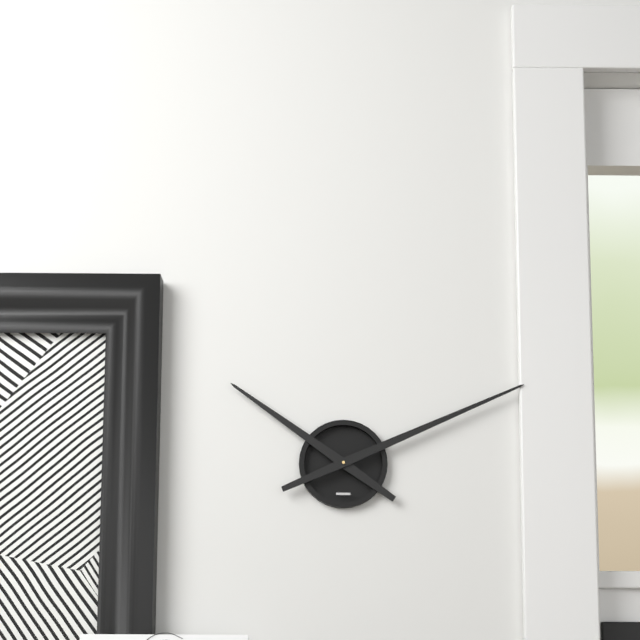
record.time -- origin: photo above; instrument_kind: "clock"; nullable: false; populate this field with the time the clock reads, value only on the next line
10:11
